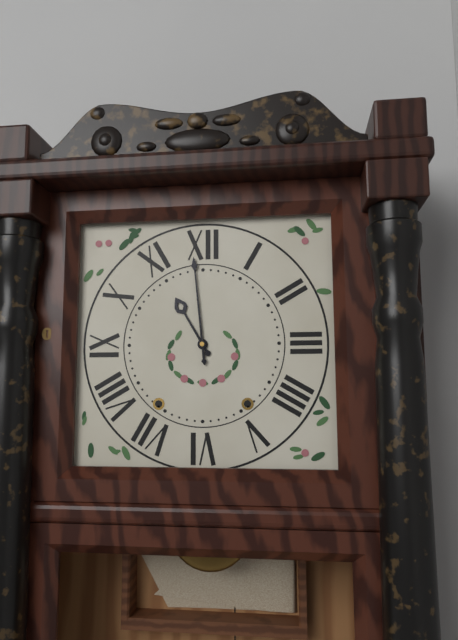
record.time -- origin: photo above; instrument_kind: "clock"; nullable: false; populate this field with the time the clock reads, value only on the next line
10:59
